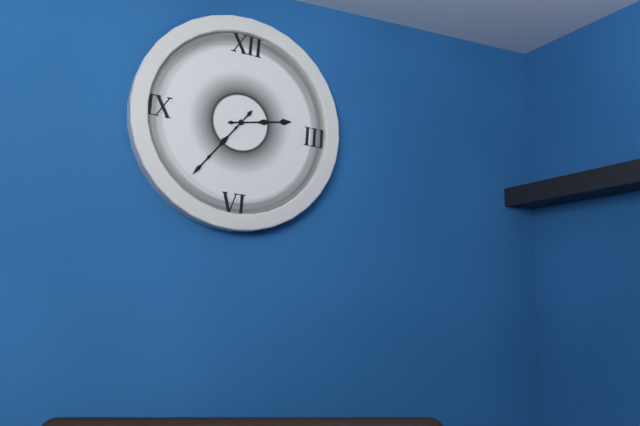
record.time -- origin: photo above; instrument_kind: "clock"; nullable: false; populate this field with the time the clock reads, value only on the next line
2:36
